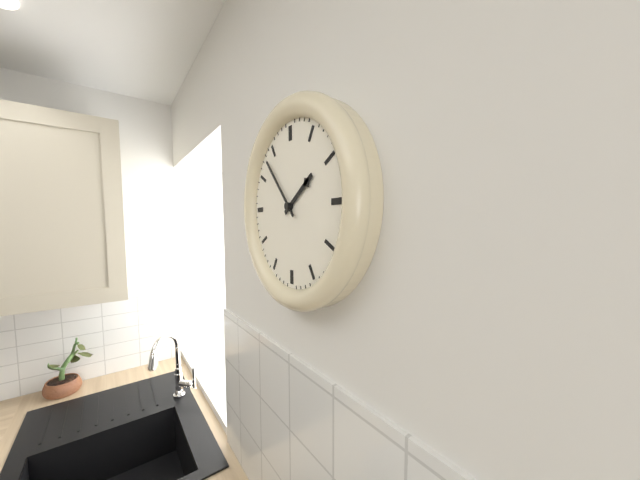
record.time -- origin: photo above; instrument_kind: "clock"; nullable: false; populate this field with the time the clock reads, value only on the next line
1:53
